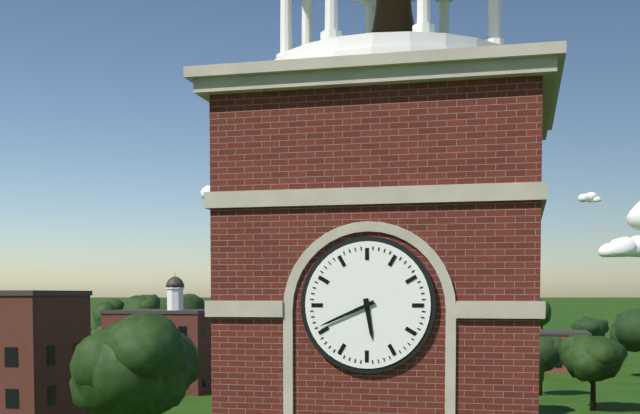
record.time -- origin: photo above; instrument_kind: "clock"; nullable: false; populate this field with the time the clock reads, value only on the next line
5:41
